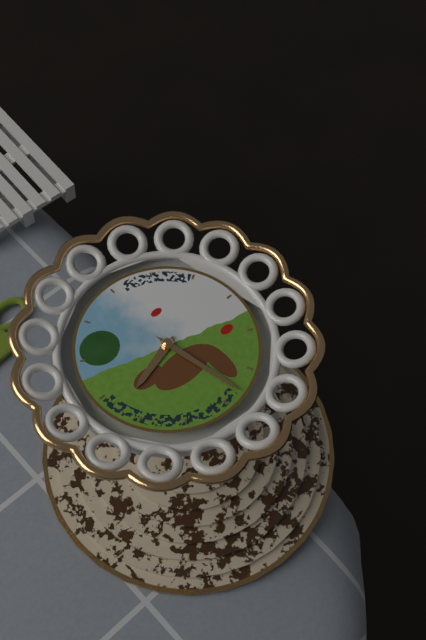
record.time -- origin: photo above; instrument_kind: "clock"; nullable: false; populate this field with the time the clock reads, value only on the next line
8:28
